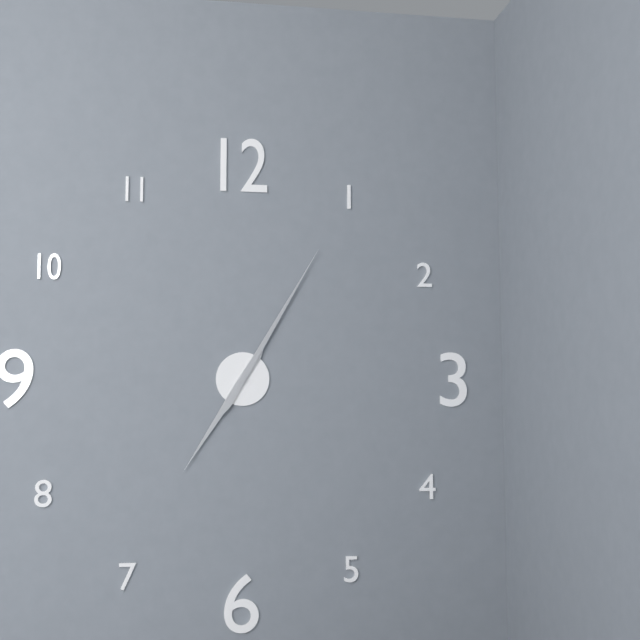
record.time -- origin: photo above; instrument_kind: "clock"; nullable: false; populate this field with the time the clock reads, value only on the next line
7:05
